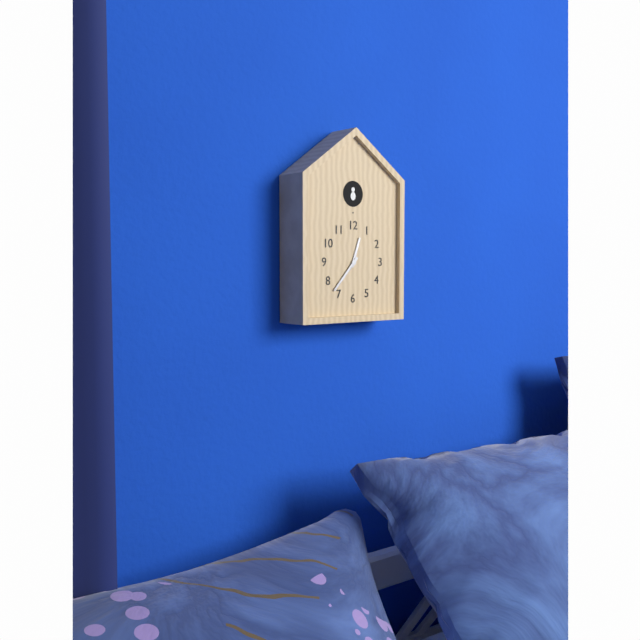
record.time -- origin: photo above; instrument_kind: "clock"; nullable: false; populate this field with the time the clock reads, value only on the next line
12:37
